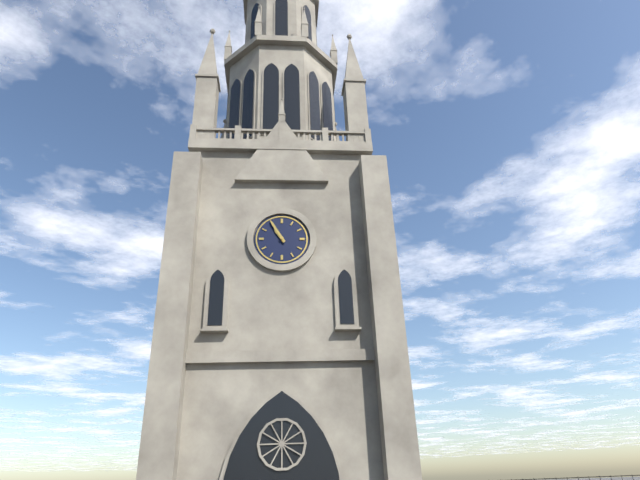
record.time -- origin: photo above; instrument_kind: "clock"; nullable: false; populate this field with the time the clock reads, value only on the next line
10:55
